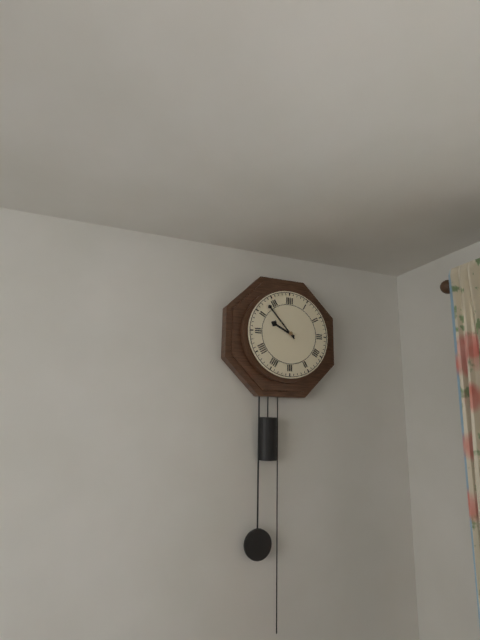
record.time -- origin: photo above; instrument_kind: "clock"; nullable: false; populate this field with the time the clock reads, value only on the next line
9:53
